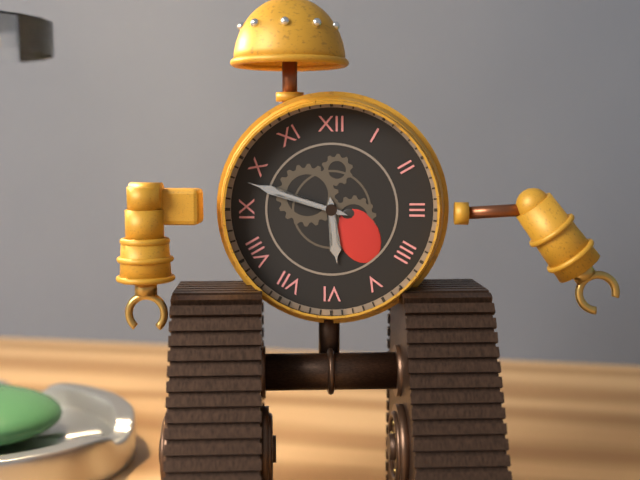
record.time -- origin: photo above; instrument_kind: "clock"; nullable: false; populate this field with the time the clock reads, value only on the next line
5:48
